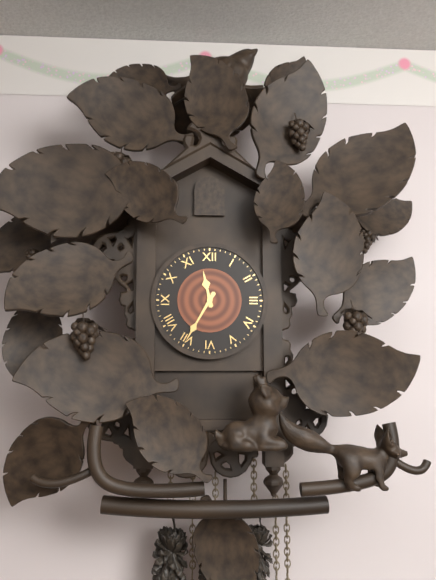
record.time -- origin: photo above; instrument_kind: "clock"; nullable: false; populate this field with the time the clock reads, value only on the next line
11:35
